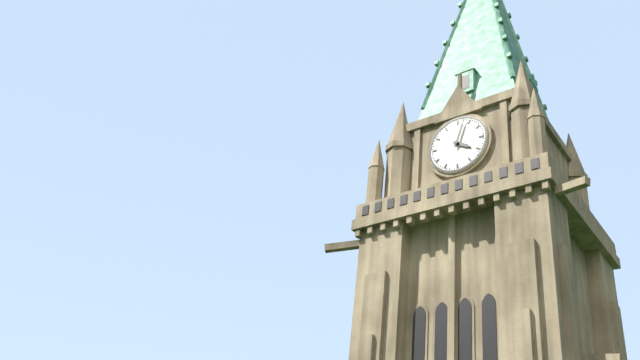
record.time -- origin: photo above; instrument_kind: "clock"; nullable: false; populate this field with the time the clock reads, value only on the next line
4:03
